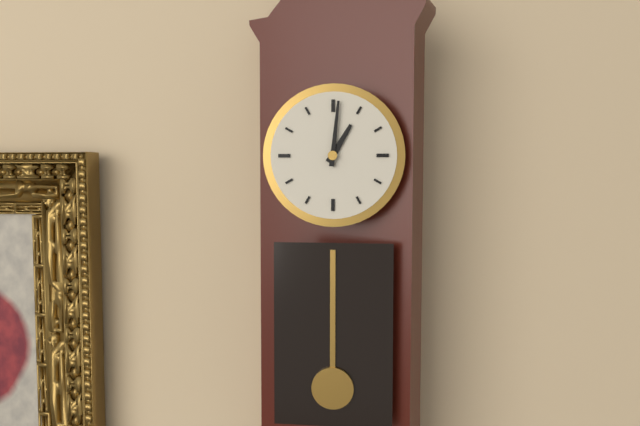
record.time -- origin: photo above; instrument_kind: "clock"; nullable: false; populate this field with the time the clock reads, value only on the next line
1:01
